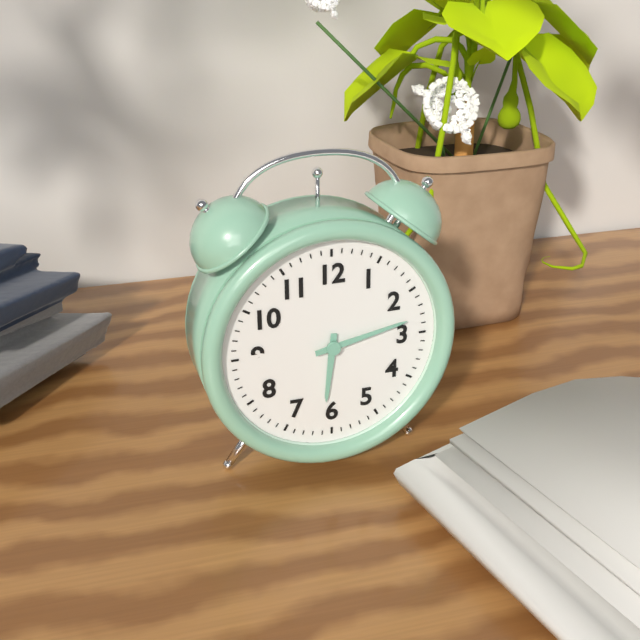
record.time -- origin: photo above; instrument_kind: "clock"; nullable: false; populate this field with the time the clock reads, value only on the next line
6:13
